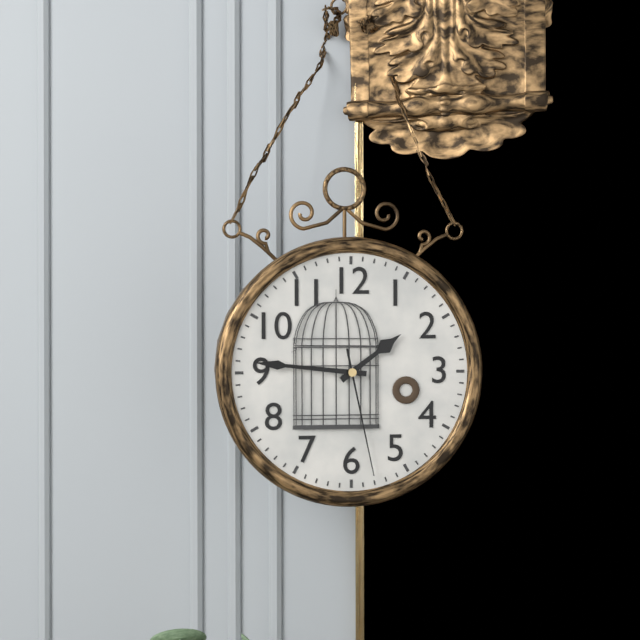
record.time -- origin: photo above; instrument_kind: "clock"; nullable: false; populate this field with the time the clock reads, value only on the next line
1:46:28
